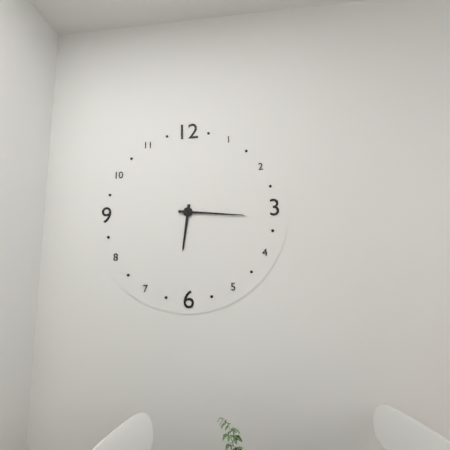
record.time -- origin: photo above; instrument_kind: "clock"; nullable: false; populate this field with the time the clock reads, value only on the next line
6:16
